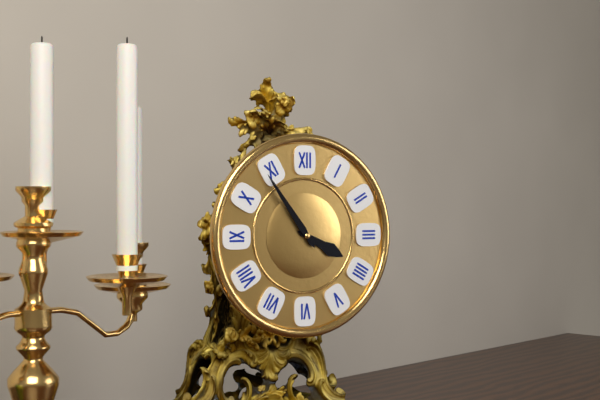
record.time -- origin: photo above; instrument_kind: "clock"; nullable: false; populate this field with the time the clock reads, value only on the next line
3:54
